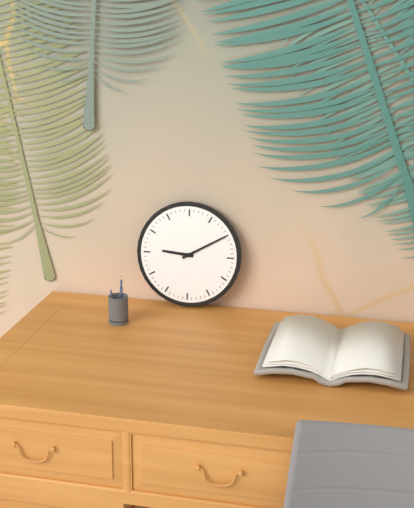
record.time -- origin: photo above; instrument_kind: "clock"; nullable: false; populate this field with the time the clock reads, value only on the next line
9:10
